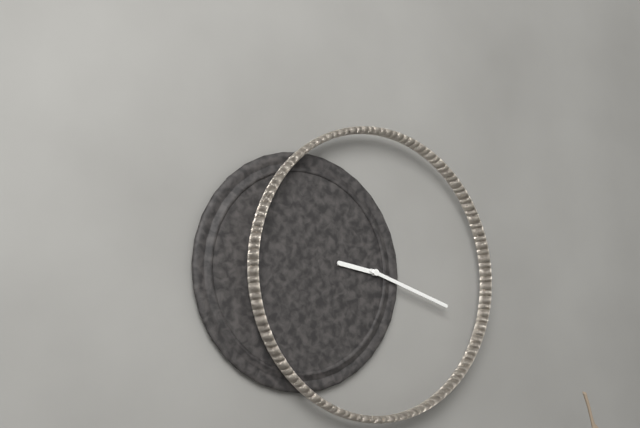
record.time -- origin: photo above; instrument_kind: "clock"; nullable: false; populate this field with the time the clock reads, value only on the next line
9:18
